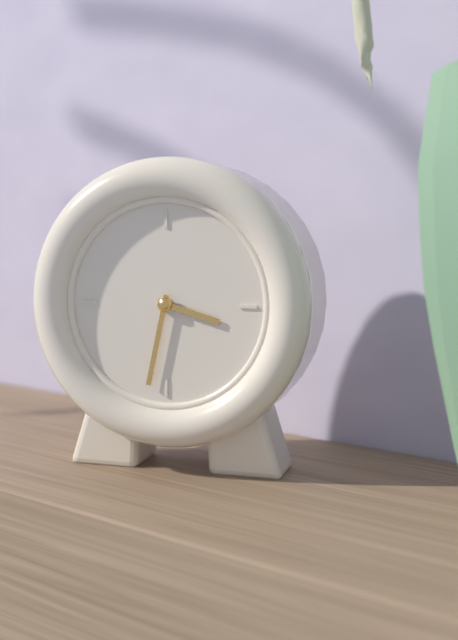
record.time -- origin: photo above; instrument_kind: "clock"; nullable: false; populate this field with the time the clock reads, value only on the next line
3:32
